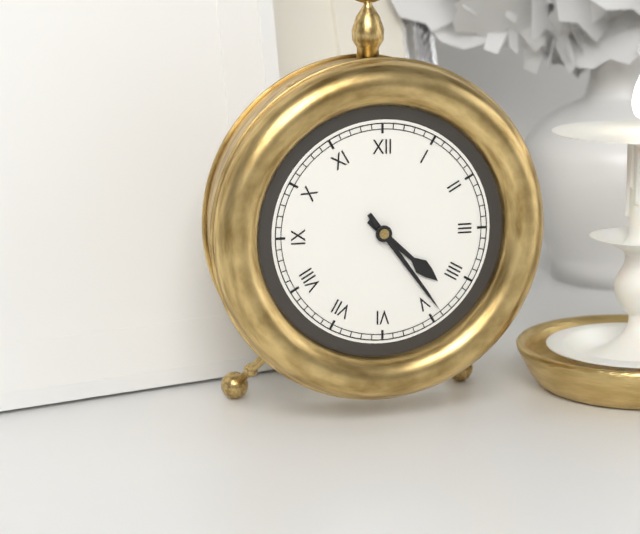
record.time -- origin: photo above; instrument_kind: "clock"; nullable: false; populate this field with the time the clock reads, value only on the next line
4:24
